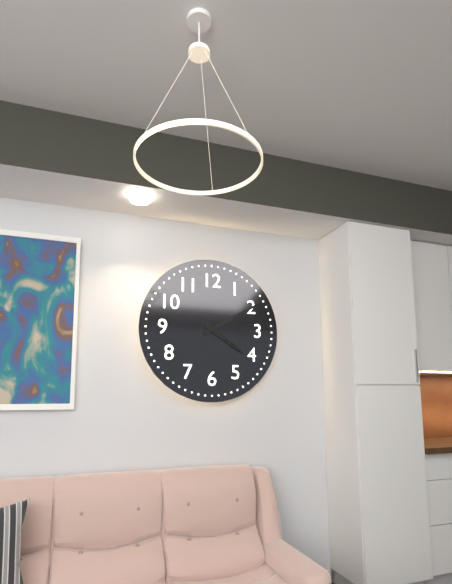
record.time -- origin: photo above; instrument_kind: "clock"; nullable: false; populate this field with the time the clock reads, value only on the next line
4:10
